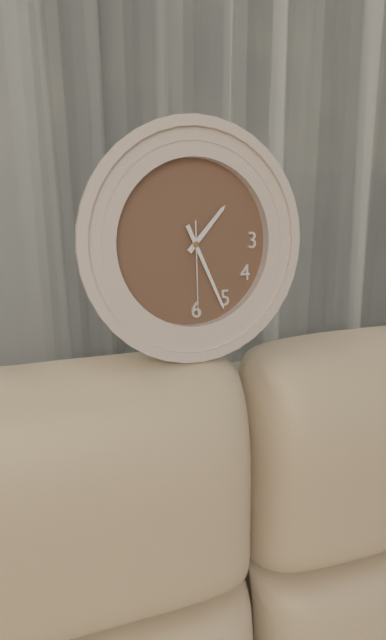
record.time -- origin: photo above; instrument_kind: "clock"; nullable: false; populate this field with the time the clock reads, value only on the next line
1:26:30
